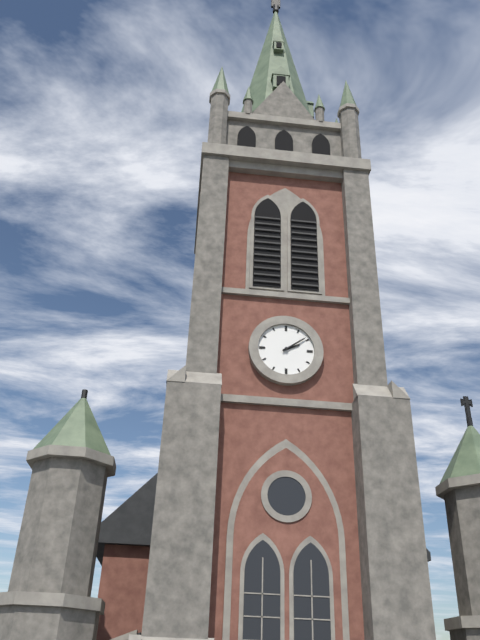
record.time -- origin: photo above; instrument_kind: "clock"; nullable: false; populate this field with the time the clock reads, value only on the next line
2:09
